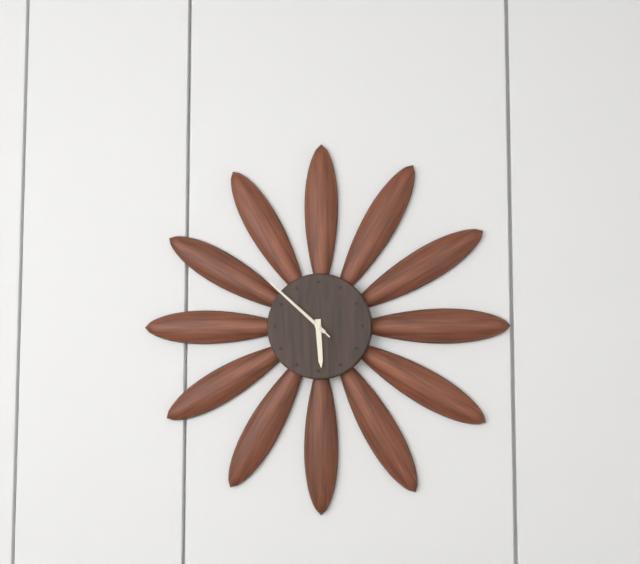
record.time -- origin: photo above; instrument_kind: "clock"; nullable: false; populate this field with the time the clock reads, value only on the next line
5:52:52
